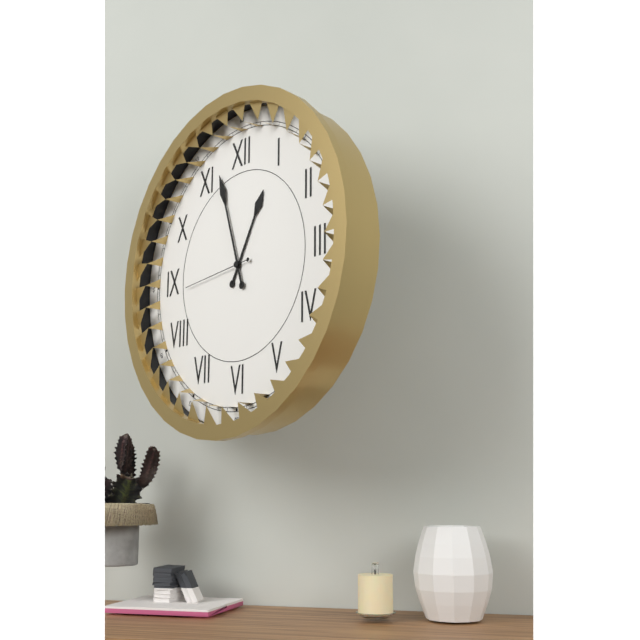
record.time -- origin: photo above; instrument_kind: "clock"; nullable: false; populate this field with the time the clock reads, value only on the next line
12:57:44
